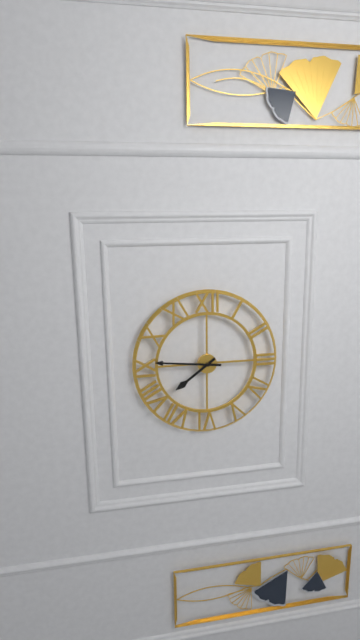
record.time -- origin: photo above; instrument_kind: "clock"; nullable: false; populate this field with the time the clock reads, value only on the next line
7:46
